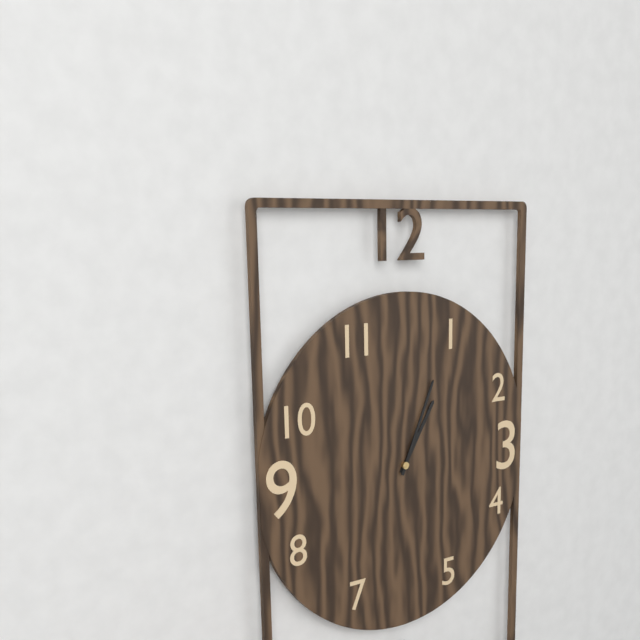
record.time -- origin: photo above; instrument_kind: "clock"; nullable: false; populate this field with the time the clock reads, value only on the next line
1:04
